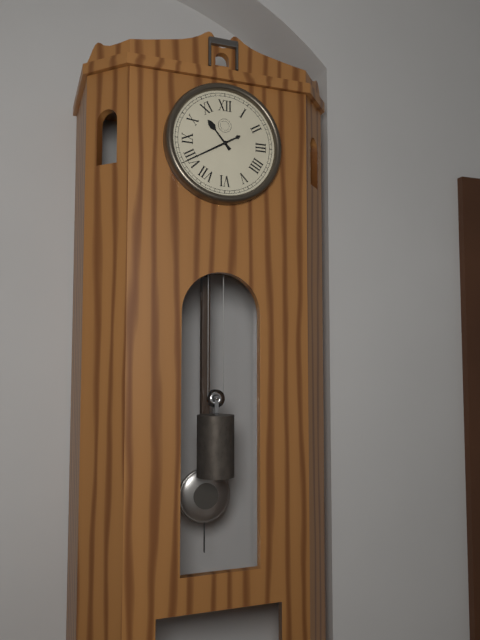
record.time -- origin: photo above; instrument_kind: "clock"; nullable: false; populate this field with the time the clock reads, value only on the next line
10:40
